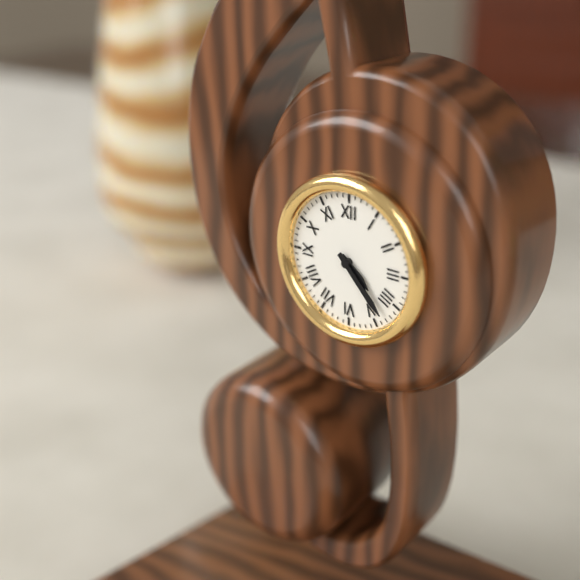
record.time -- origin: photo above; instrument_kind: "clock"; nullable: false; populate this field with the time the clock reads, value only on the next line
4:23
